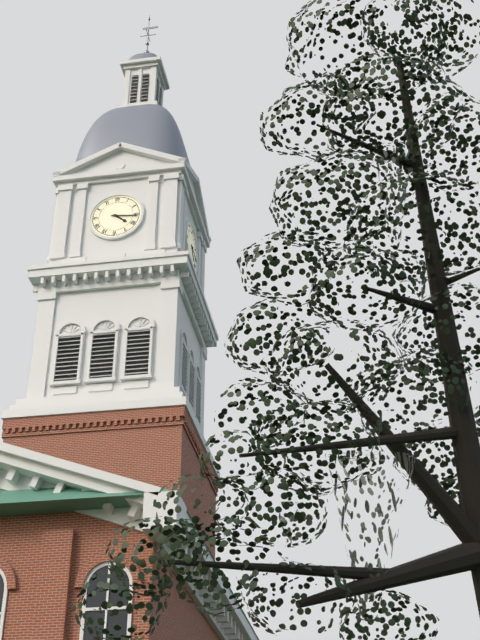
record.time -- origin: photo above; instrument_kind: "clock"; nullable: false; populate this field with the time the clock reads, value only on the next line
4:16
